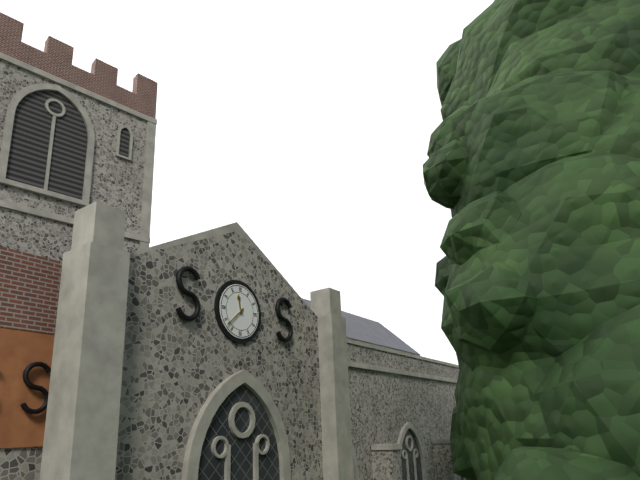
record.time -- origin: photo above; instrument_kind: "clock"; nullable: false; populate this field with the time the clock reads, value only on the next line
11:38
